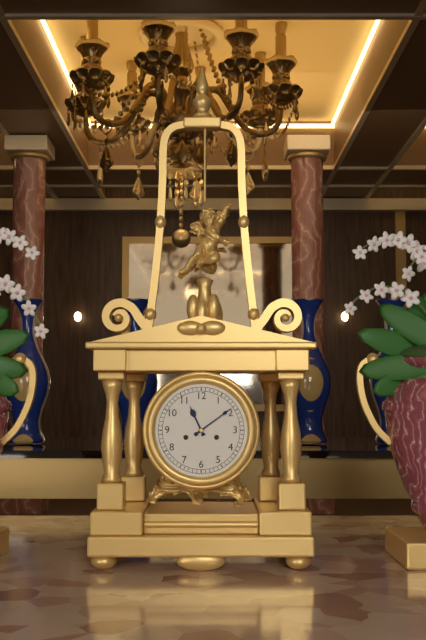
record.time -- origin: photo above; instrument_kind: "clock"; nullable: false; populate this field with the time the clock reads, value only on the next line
11:09
